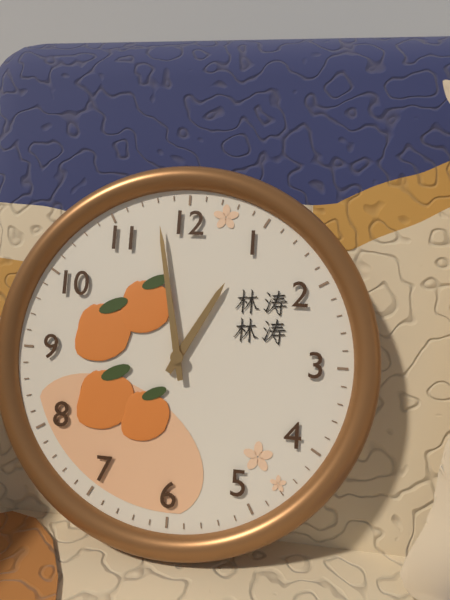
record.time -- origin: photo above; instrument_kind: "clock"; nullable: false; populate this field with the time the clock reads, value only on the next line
12:58
